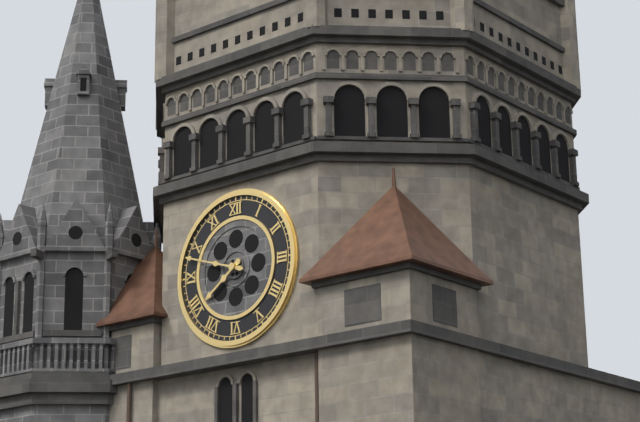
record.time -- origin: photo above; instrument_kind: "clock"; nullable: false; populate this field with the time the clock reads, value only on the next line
7:48
